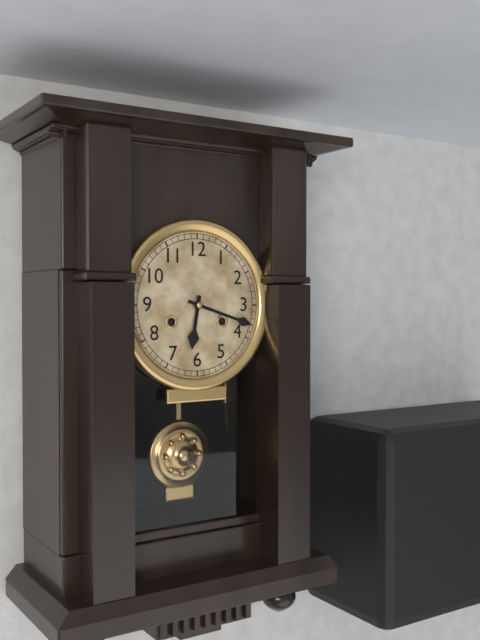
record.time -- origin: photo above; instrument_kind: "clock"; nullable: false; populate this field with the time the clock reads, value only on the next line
6:18
